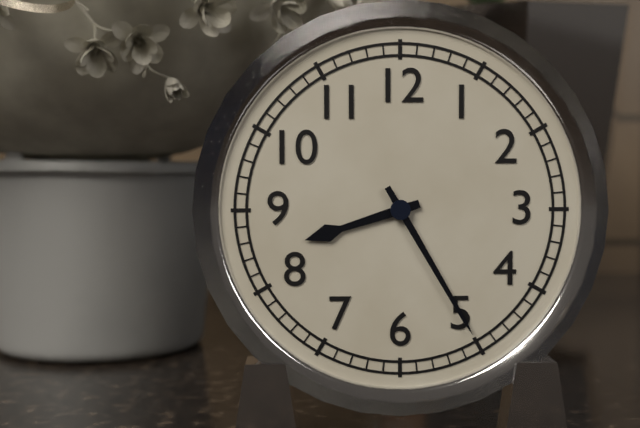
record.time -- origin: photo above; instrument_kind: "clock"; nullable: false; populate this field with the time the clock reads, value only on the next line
8:25
